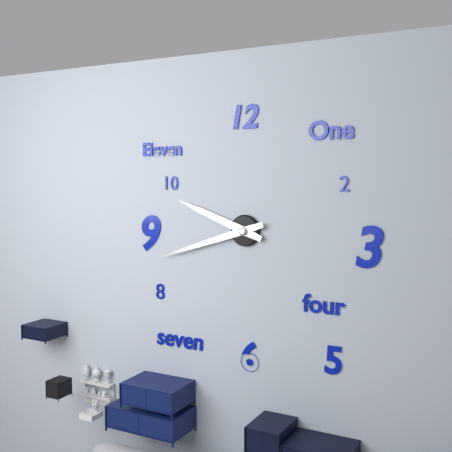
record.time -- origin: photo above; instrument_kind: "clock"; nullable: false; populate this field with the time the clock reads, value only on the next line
9:42
